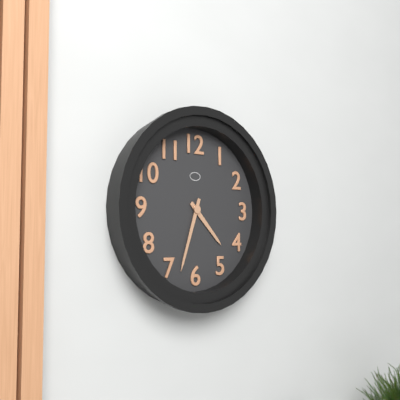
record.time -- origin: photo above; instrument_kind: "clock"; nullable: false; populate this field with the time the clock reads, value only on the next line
4:33
